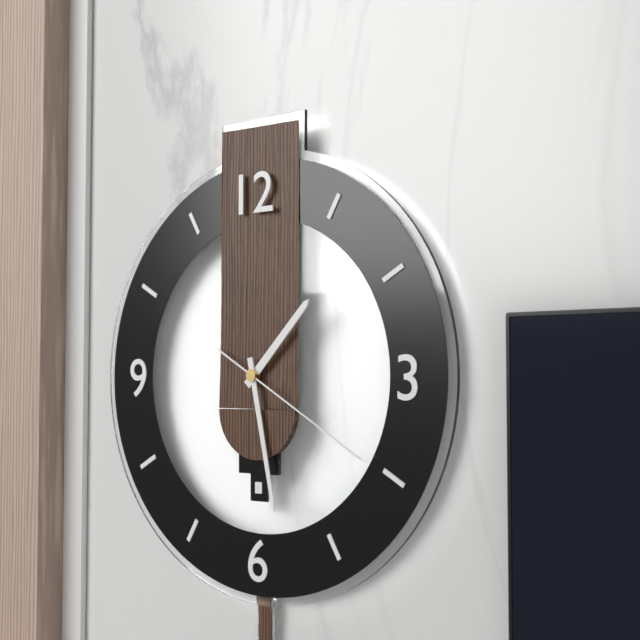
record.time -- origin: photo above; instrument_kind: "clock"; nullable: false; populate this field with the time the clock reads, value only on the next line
1:28:20
